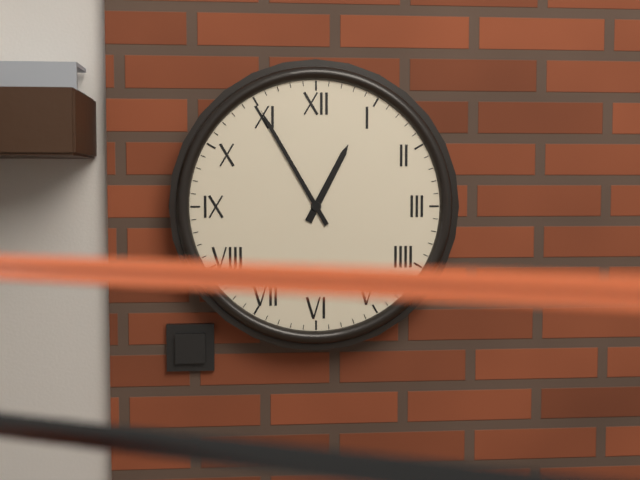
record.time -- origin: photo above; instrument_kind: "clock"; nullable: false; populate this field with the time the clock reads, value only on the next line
12:55
